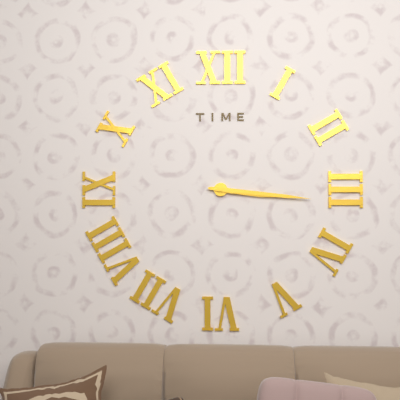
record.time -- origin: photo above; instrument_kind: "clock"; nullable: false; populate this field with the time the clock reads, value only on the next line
3:16
